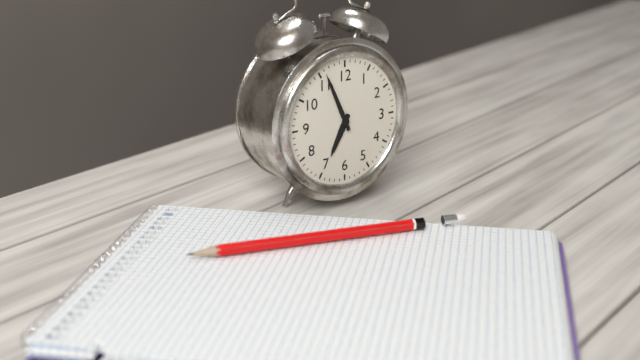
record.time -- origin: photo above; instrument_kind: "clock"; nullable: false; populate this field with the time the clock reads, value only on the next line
6:56
